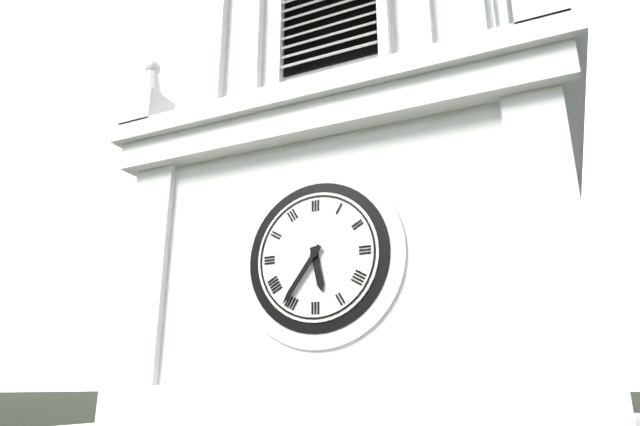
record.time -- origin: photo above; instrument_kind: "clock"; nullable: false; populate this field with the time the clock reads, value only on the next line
5:36
